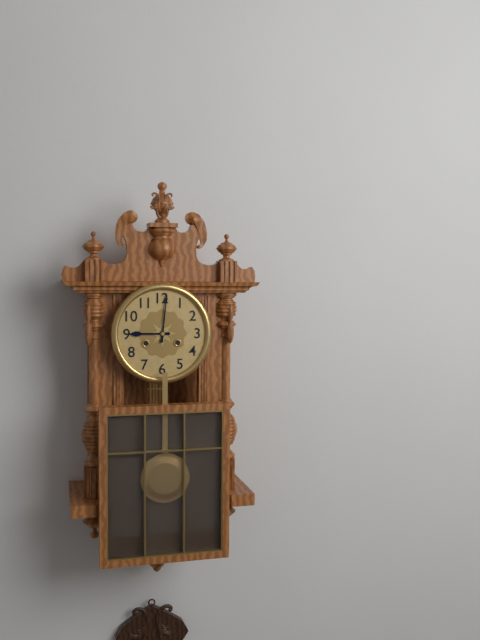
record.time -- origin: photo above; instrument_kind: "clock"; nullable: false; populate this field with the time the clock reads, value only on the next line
9:01
